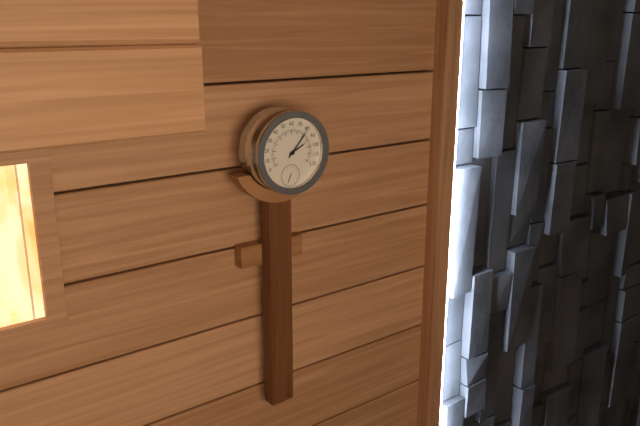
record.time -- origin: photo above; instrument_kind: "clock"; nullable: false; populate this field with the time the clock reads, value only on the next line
2:07
